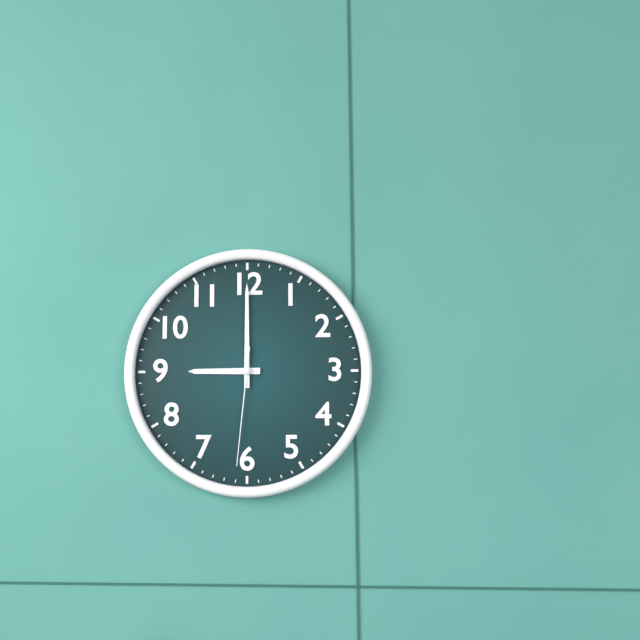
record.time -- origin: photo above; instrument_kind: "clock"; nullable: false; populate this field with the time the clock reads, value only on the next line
9:00:31
